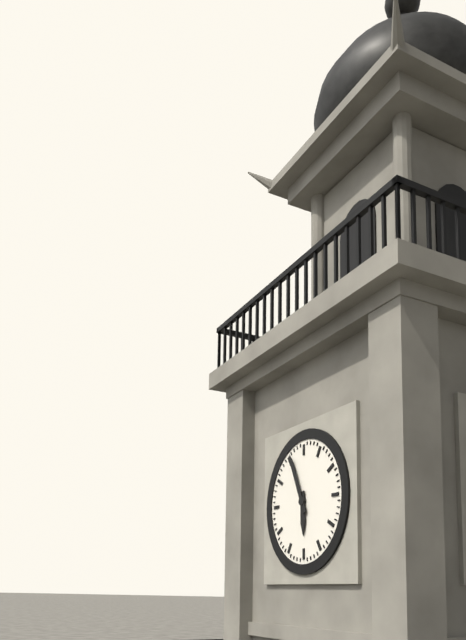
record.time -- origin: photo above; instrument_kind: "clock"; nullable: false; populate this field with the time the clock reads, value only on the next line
5:56
